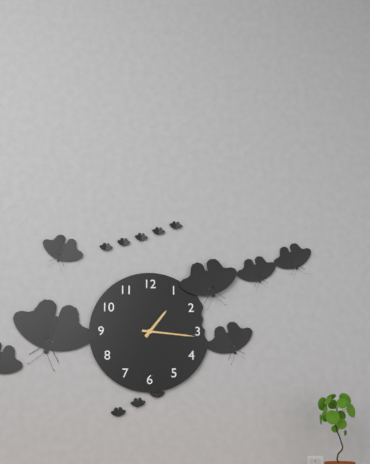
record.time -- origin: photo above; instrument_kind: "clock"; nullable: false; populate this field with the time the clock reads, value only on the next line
1:16
